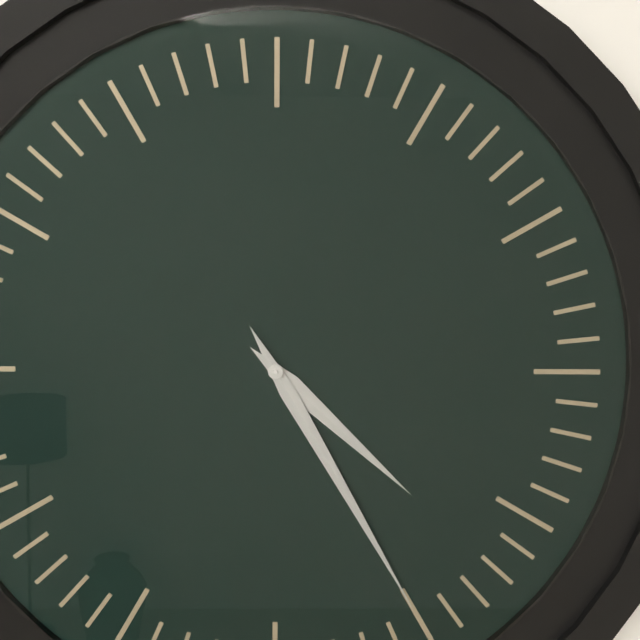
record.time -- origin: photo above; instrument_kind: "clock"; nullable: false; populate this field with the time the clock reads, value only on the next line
4:25
